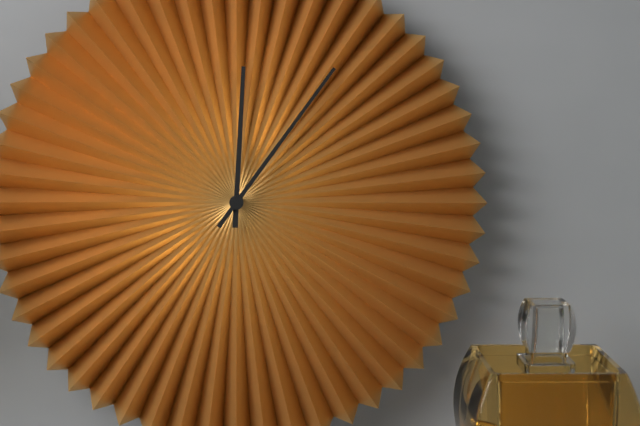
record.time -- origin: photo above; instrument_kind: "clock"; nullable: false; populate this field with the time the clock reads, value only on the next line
12:06
